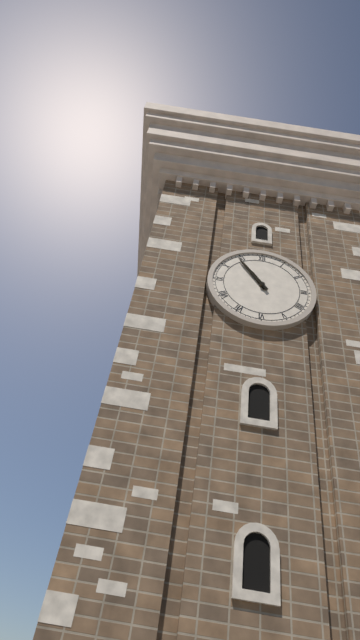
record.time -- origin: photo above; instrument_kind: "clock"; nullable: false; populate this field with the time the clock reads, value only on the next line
10:54
